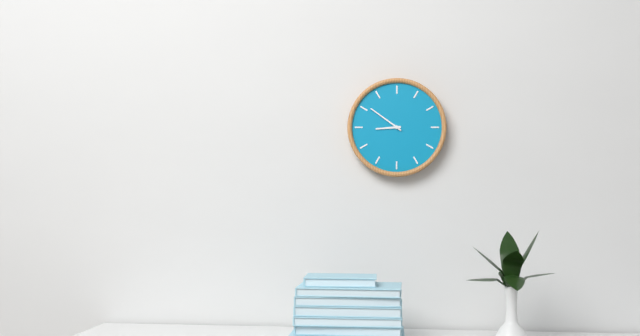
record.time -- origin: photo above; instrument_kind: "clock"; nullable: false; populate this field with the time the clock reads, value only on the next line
8:51
